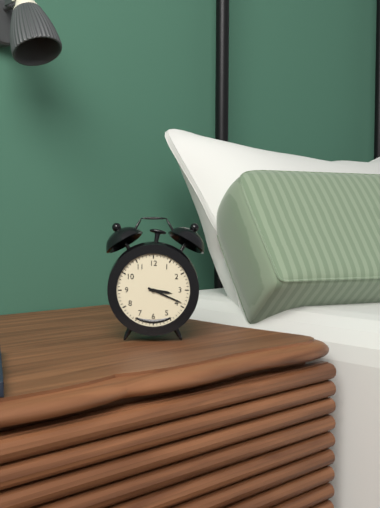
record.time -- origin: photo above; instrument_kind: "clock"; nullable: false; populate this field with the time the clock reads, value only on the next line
3:19
